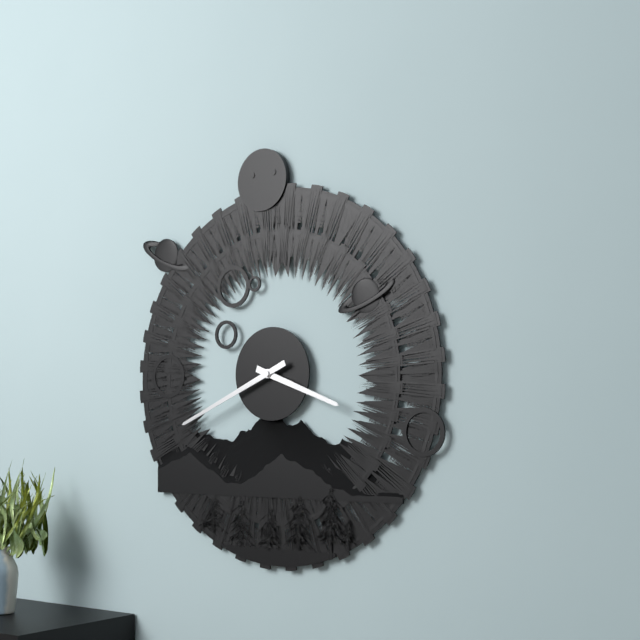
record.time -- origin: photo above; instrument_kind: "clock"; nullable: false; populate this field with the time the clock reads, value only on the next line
3:41
